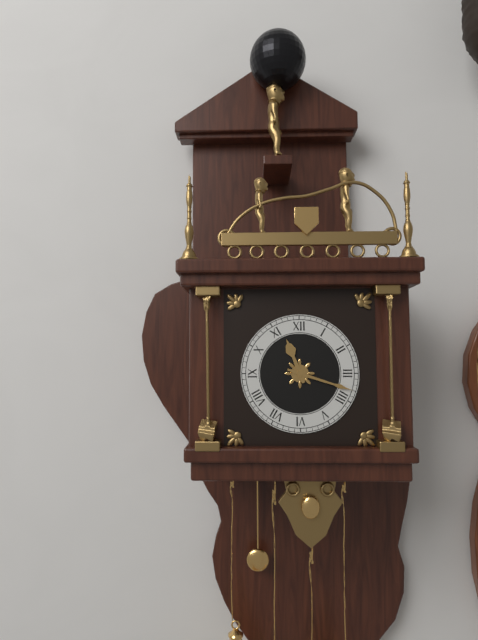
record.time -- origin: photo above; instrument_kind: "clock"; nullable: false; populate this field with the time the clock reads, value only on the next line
11:18
